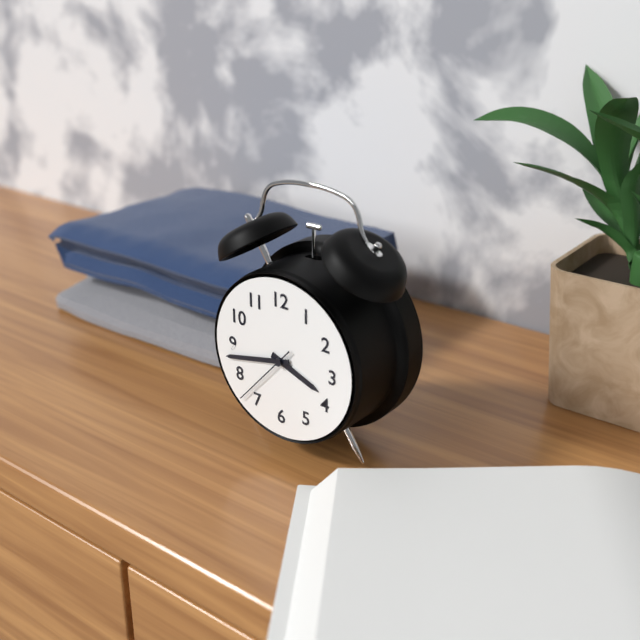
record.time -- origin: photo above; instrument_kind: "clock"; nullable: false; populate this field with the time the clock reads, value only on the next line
3:43:37
